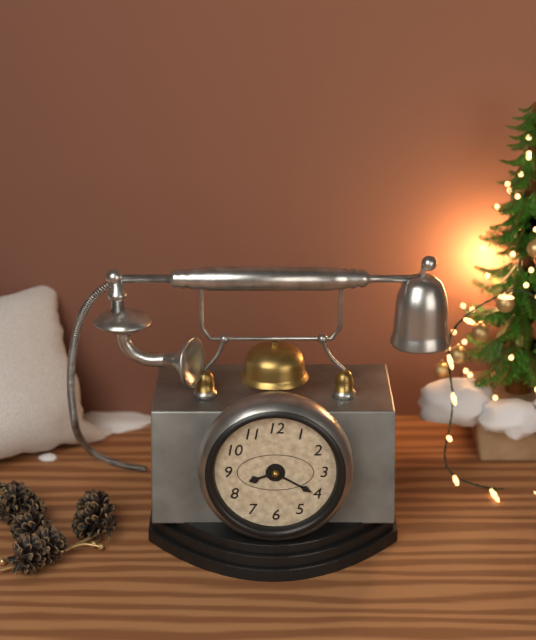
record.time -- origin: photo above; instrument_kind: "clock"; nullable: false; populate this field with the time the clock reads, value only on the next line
8:20
